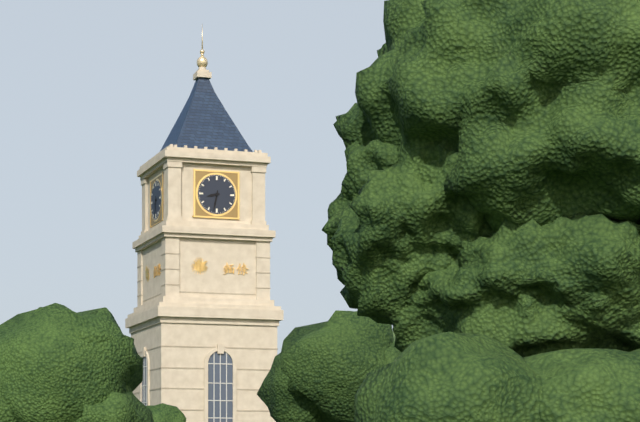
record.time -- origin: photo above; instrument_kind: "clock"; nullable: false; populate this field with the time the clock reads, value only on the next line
8:32
